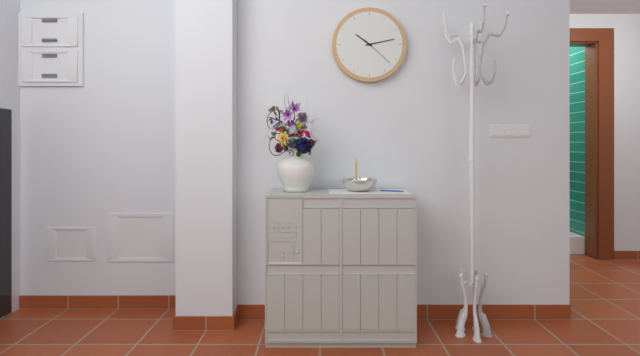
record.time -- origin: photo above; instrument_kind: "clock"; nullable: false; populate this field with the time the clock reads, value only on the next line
10:13
